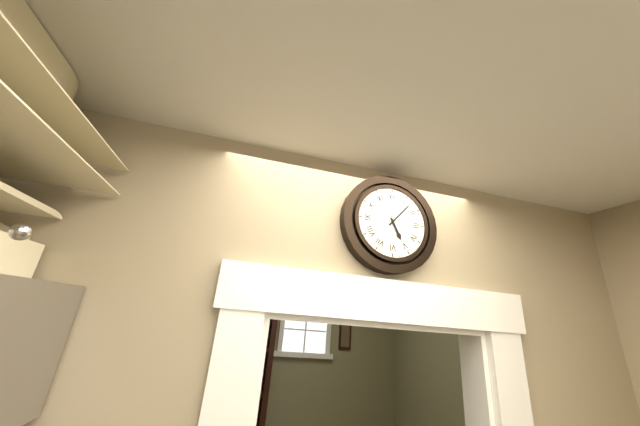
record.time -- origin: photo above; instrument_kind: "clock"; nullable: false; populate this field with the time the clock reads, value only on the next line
5:07
